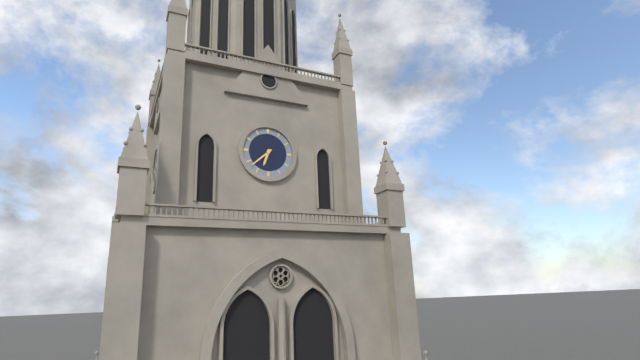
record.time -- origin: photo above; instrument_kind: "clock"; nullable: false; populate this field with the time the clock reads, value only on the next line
6:38
